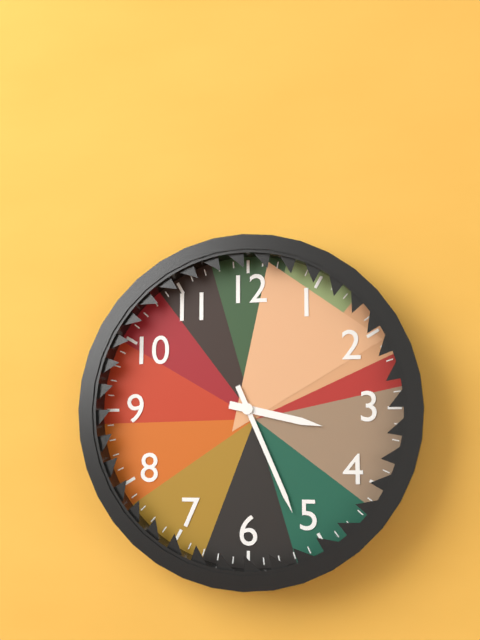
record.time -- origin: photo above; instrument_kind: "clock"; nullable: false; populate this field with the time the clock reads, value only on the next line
3:26
